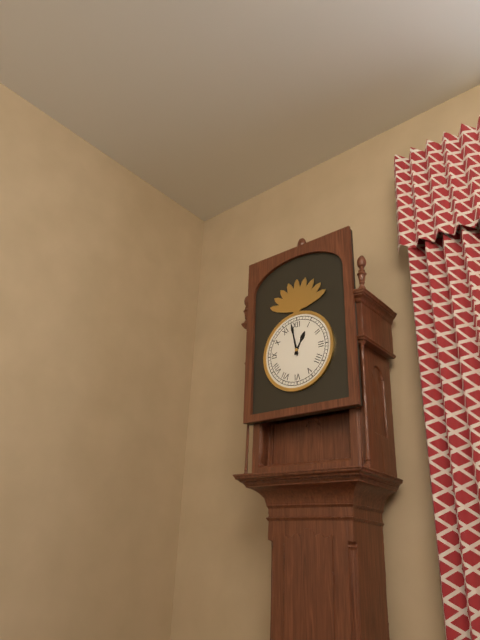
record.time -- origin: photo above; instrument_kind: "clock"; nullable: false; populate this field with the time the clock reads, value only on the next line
12:58
